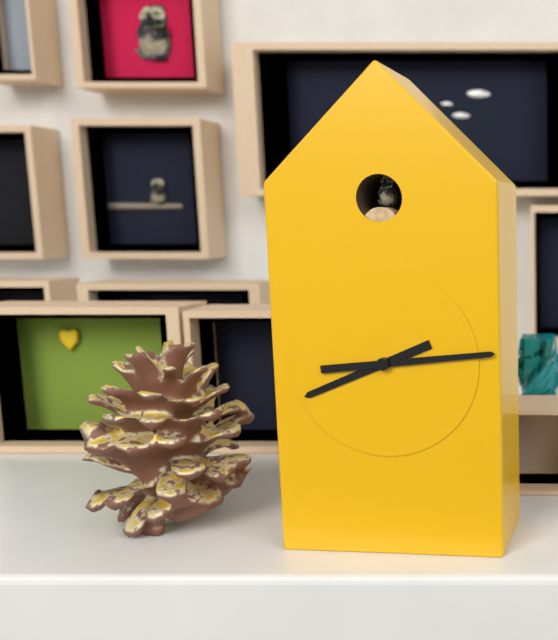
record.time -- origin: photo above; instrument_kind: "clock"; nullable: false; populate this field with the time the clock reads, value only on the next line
8:14
